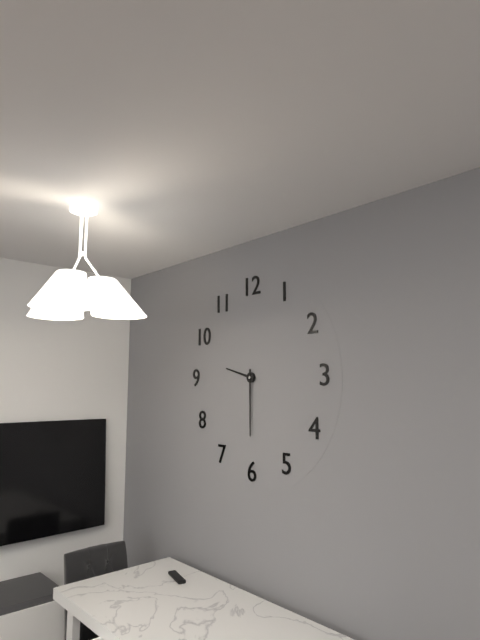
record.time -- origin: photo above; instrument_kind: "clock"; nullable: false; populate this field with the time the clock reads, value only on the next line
9:30
